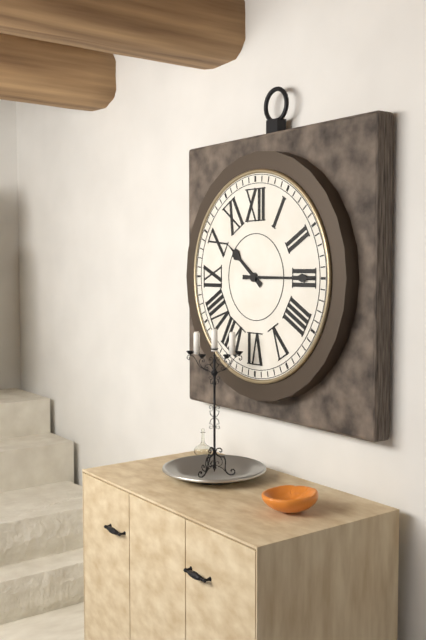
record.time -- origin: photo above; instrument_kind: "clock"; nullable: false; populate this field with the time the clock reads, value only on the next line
10:15
